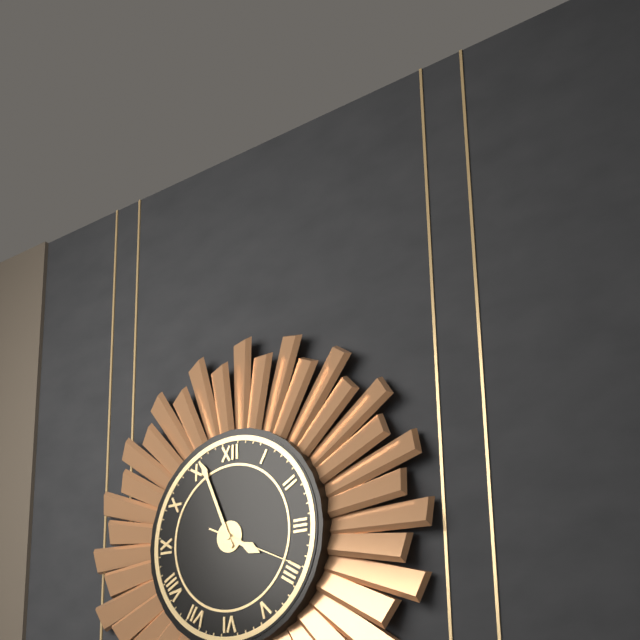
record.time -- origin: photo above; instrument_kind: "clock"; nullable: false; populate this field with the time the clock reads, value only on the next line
3:56:19
